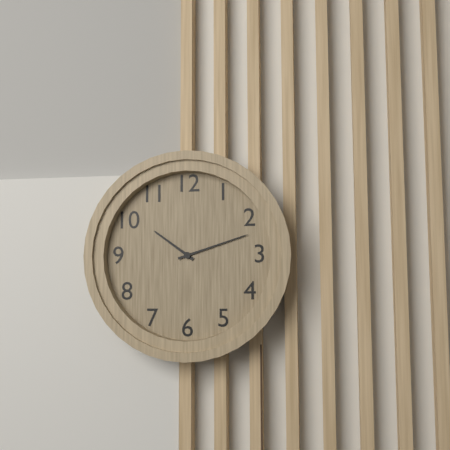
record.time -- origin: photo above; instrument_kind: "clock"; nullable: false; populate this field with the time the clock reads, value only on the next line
10:12
